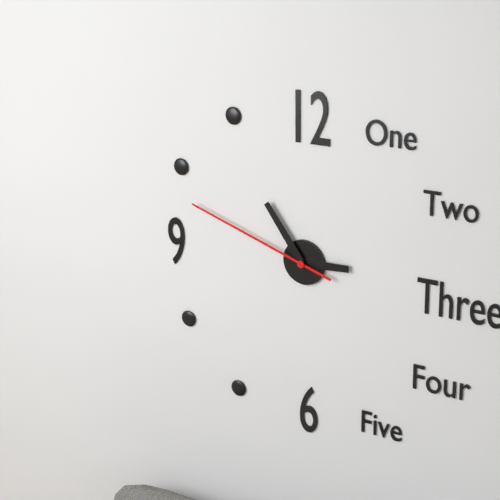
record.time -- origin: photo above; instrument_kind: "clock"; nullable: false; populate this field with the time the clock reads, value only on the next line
2:54:48
